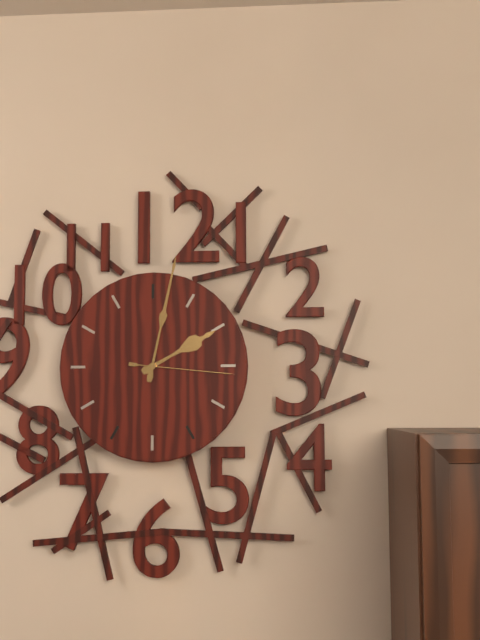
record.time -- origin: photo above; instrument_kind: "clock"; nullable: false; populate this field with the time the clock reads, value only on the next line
2:02:16
